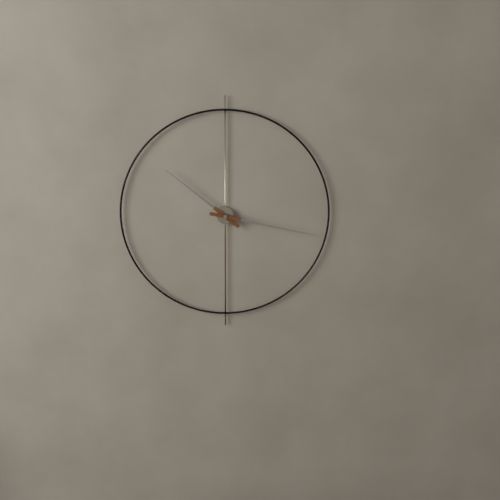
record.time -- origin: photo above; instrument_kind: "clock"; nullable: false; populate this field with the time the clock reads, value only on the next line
10:17
